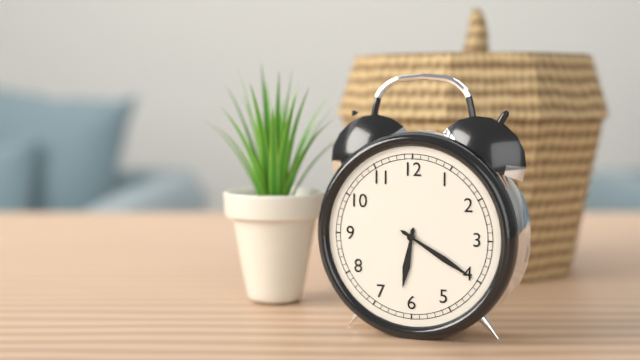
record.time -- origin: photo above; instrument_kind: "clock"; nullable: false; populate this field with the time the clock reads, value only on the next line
6:20
